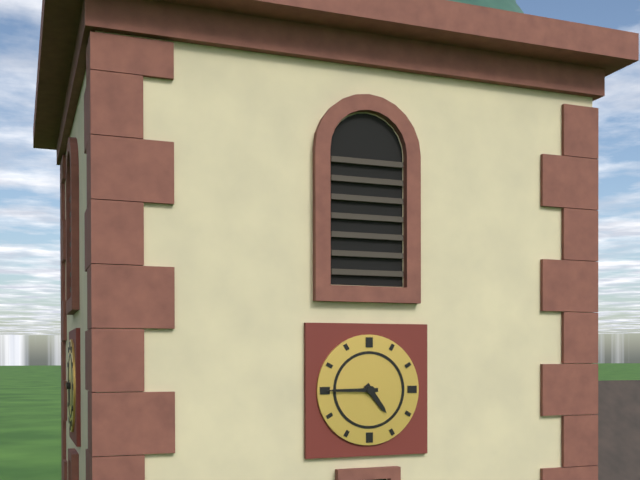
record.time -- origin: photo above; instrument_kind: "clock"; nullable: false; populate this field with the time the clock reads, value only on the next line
4:45
